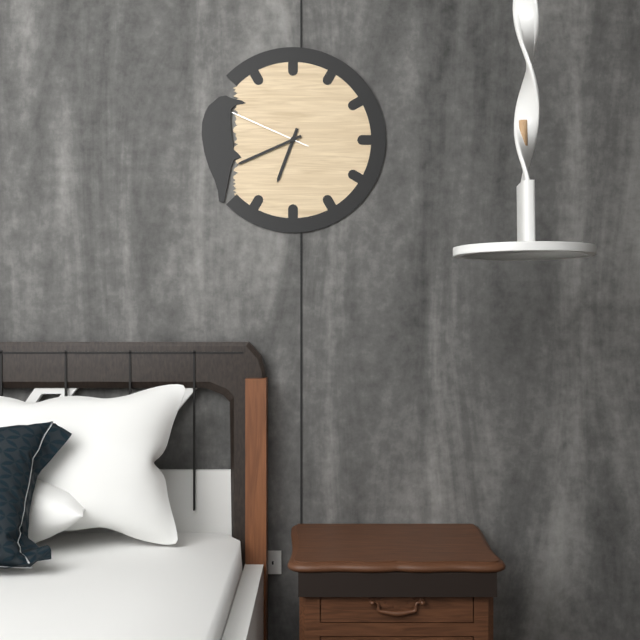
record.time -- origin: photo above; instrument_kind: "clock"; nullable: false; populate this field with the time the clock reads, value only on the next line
6:41:49
